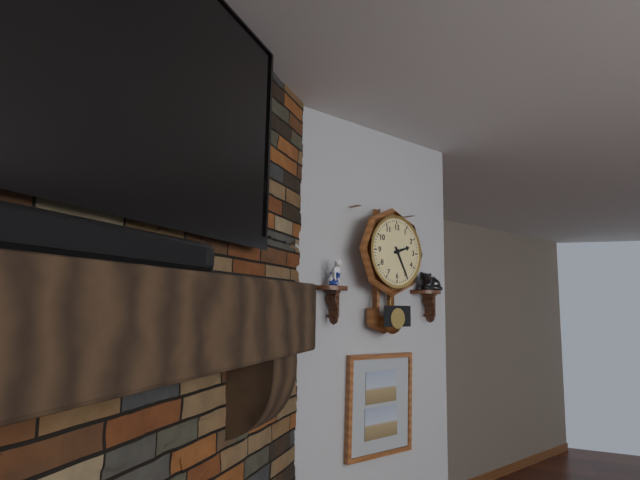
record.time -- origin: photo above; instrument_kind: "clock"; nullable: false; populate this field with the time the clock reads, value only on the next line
2:25
